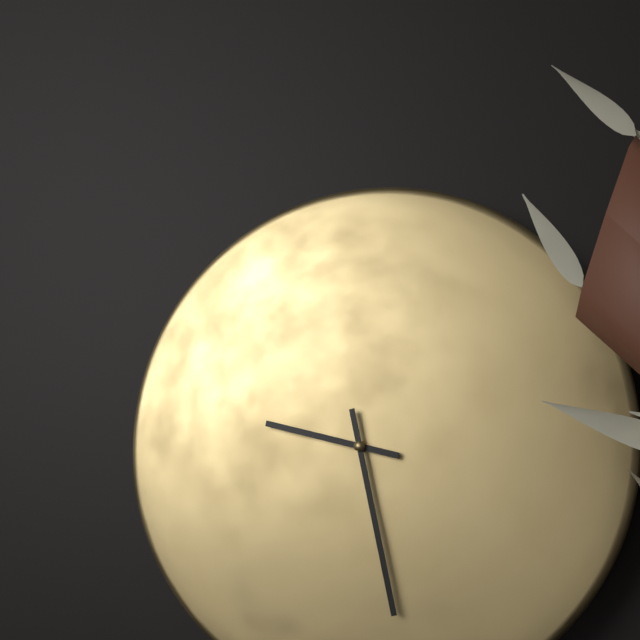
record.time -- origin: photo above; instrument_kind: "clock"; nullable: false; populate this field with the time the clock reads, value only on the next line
9:28
